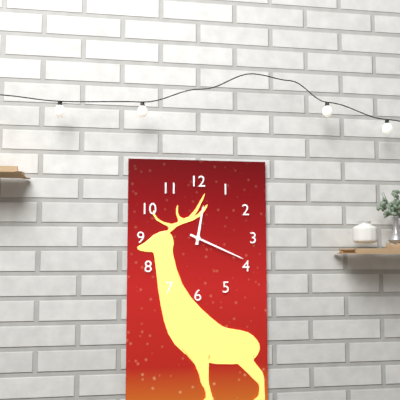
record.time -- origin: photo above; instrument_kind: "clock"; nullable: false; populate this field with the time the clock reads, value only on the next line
12:19
